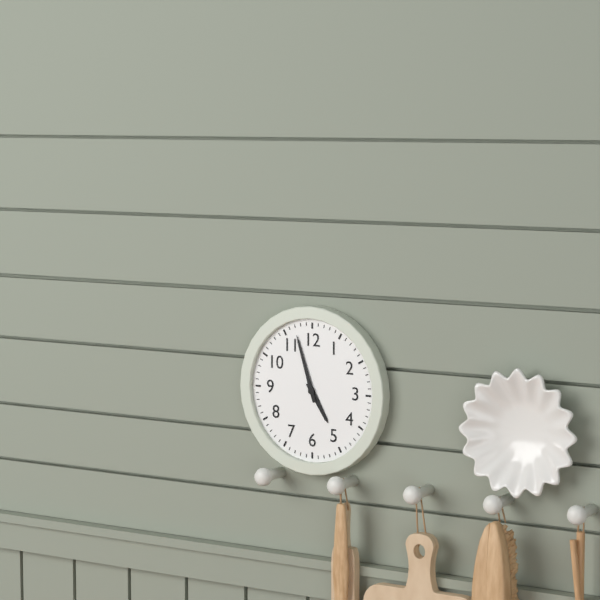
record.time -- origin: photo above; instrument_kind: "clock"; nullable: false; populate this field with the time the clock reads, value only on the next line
4:57
